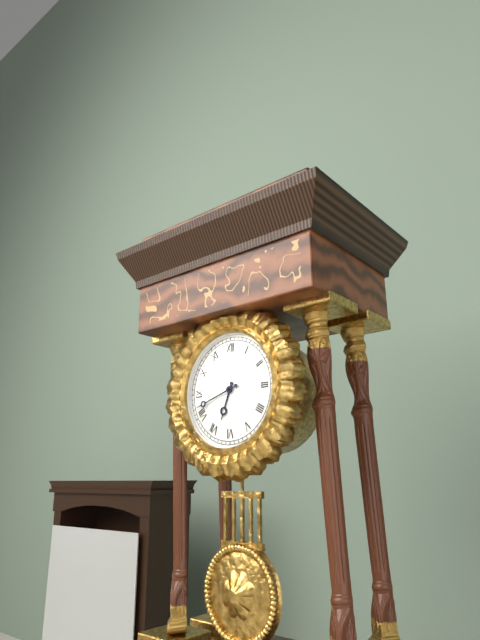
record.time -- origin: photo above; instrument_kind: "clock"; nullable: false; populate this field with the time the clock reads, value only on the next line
6:42
